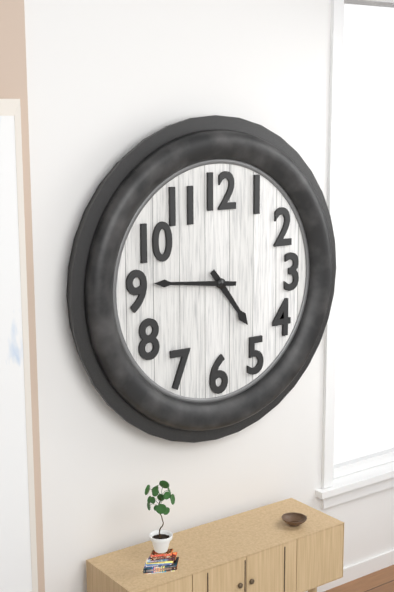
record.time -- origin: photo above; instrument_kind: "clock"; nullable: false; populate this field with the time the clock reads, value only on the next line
4:46
